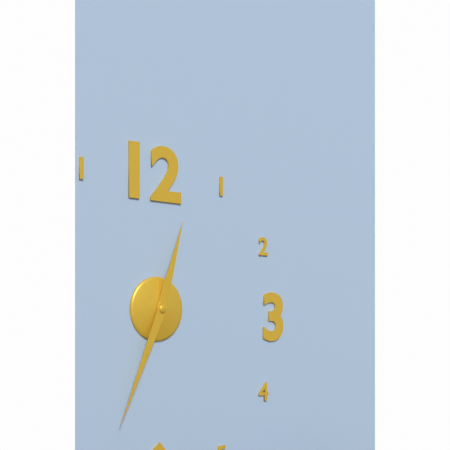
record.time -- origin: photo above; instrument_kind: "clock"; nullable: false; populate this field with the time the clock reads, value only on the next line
12:34
